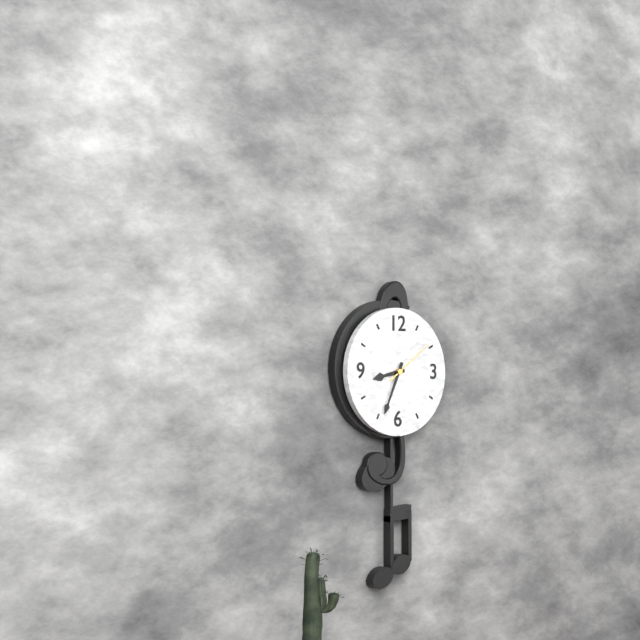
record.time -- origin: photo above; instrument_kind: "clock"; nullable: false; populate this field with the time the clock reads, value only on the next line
8:34:09
